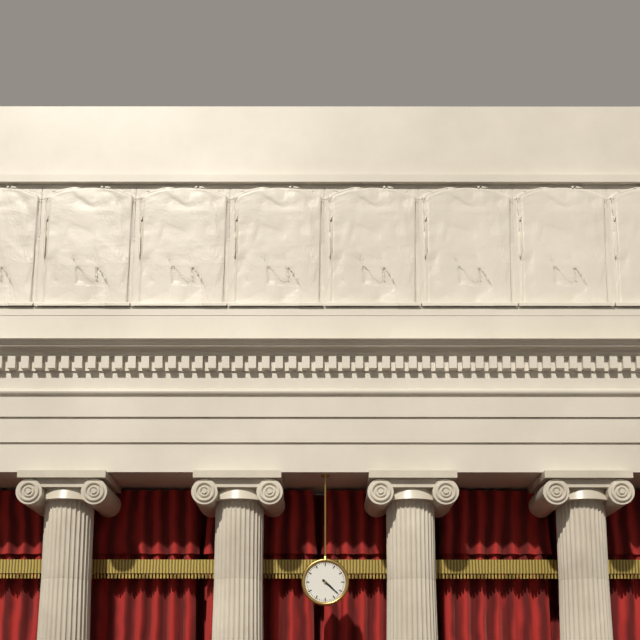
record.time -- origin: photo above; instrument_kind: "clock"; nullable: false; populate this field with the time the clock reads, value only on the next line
4:22
